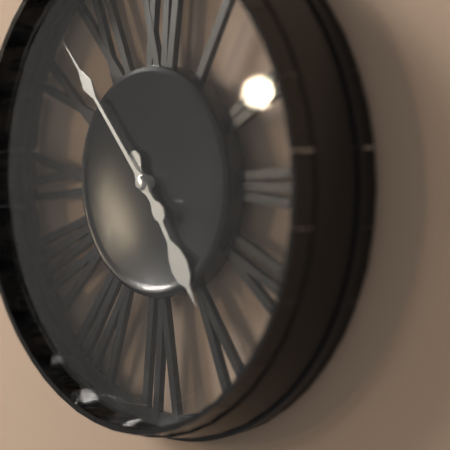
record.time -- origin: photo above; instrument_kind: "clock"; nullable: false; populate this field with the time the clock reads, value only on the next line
4:53
